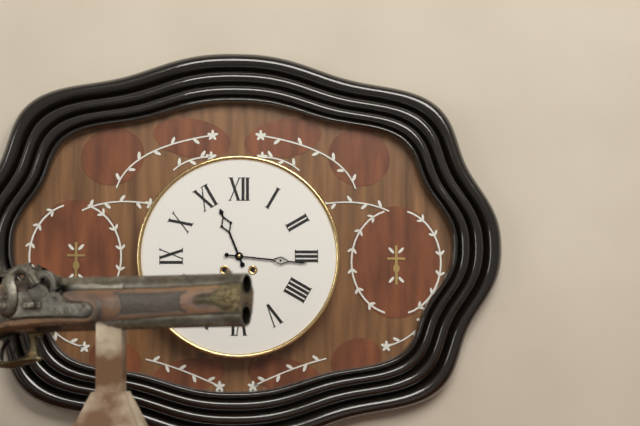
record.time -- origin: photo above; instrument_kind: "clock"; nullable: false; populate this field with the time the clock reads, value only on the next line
11:16
